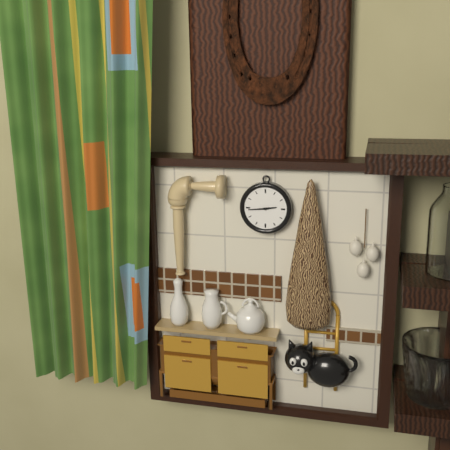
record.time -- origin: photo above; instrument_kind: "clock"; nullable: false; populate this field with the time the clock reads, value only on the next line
2:44
